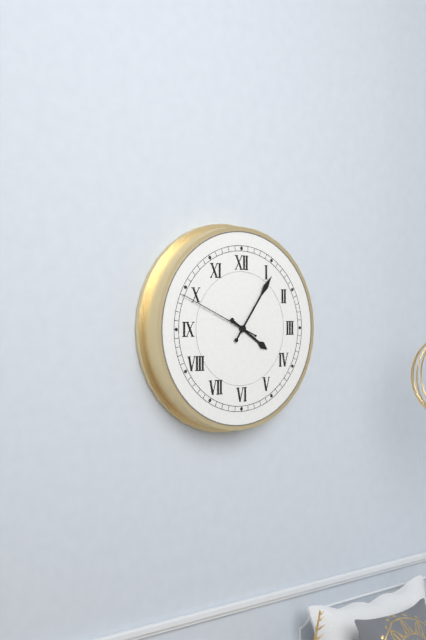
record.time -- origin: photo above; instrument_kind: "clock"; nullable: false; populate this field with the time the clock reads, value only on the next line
4:06:49
